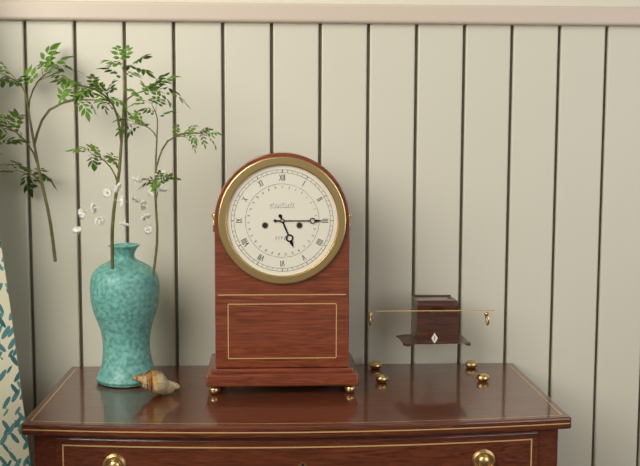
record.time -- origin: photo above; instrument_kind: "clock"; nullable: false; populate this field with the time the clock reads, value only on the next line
5:15
